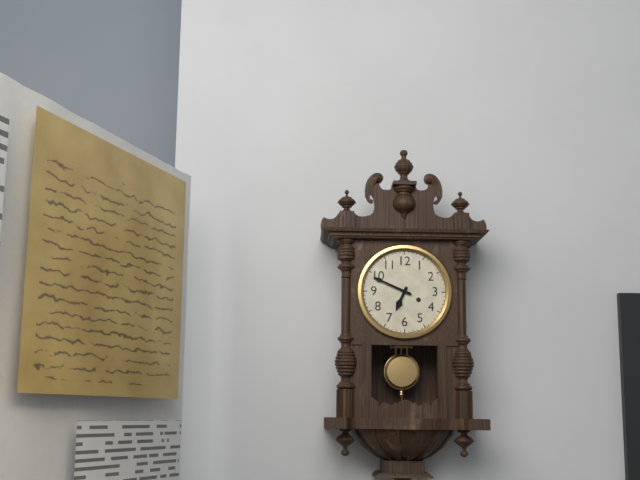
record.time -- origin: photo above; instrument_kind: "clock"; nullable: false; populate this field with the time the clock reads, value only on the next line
6:49
